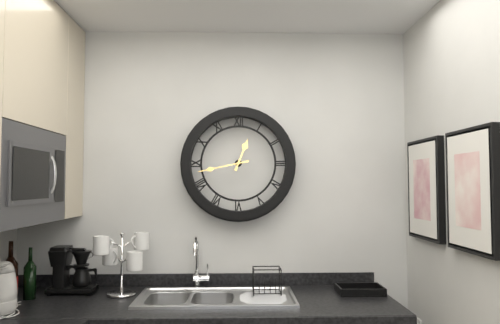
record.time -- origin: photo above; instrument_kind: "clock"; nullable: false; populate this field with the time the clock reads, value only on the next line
12:43
